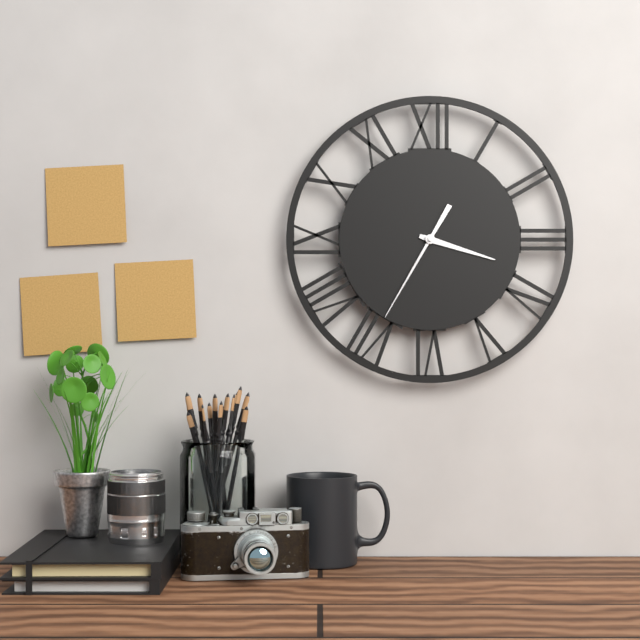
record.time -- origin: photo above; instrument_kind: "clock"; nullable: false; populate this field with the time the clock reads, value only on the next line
3:35
